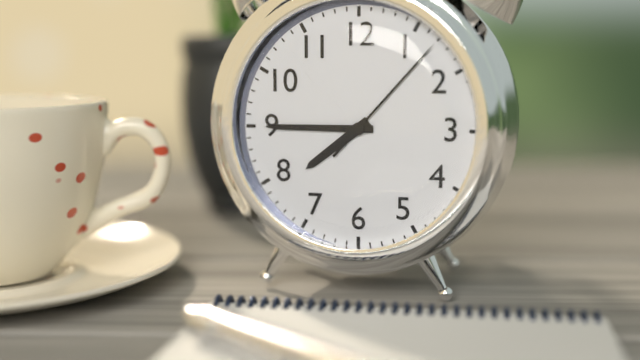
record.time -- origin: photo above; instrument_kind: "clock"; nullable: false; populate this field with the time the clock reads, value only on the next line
7:45:07
